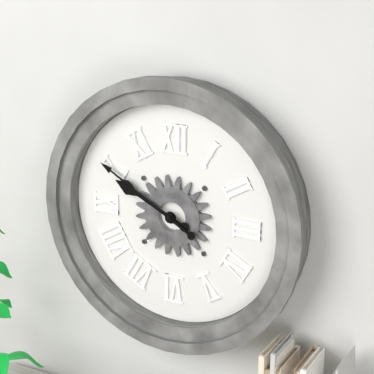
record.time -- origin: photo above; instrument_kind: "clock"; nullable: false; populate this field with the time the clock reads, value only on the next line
9:50
